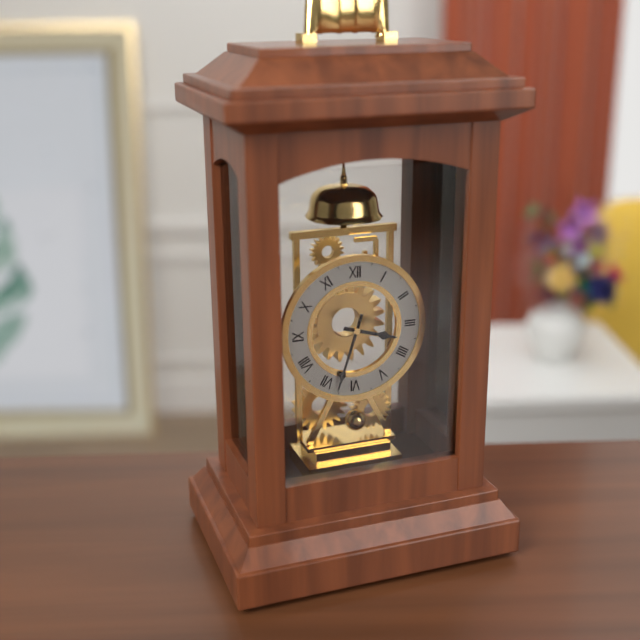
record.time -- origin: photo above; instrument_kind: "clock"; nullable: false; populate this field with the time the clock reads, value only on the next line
3:33
